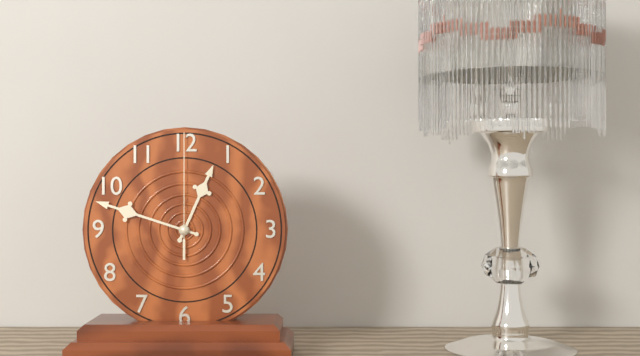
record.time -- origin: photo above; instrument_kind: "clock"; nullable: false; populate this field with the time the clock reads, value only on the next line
12:48:00
